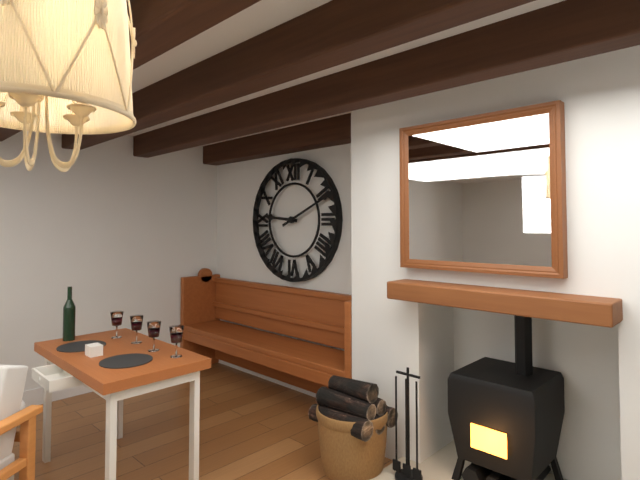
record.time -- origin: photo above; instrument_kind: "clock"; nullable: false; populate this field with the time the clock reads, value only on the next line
9:11
